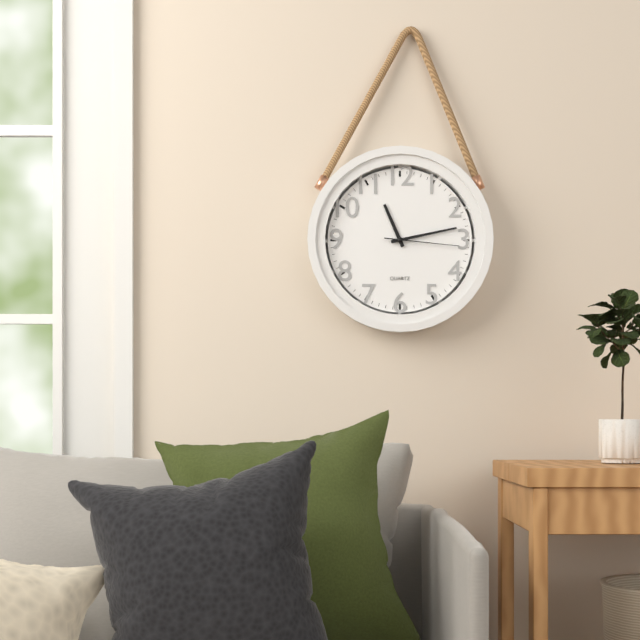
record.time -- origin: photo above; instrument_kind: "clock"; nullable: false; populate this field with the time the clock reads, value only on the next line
11:13:16
